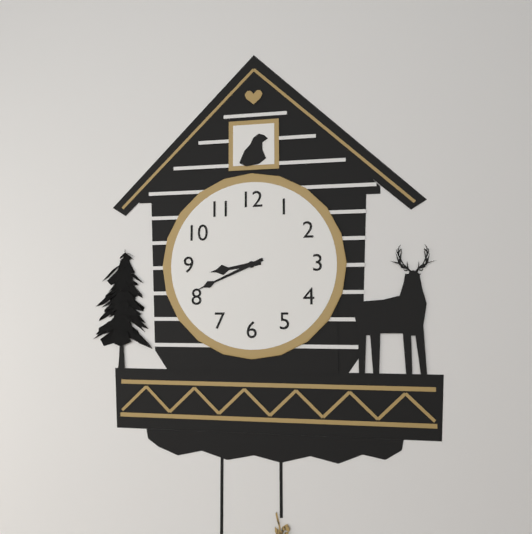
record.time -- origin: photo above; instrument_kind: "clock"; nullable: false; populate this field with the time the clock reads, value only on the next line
8:41
